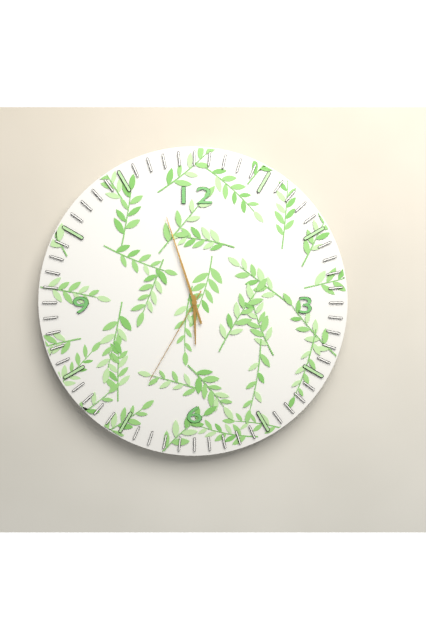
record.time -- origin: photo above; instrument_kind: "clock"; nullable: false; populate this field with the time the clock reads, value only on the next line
5:57:35
